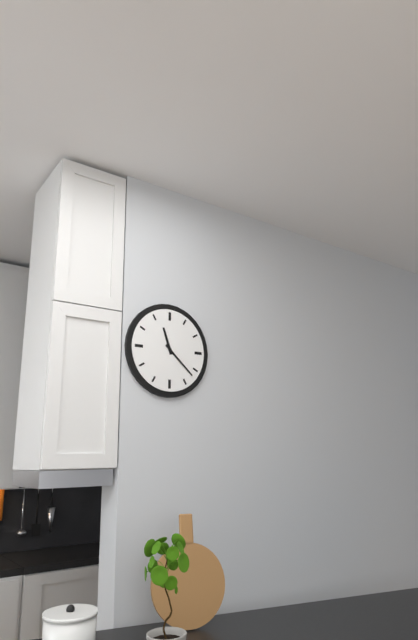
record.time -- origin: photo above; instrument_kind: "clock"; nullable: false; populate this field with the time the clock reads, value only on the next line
11:22
